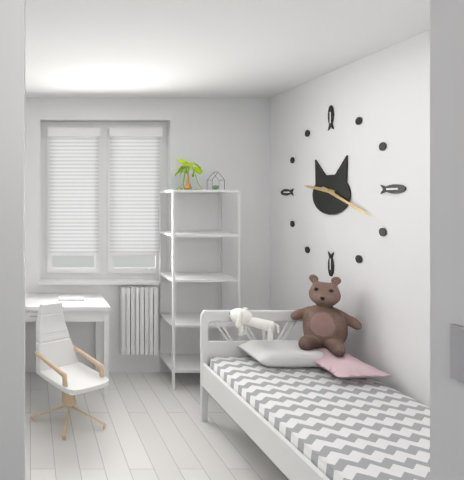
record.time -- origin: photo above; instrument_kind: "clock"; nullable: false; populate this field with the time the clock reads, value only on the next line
9:19
